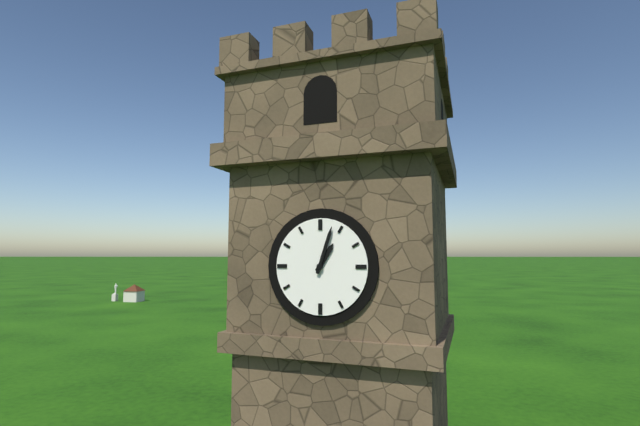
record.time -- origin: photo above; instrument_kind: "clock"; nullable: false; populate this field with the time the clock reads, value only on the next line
1:03
